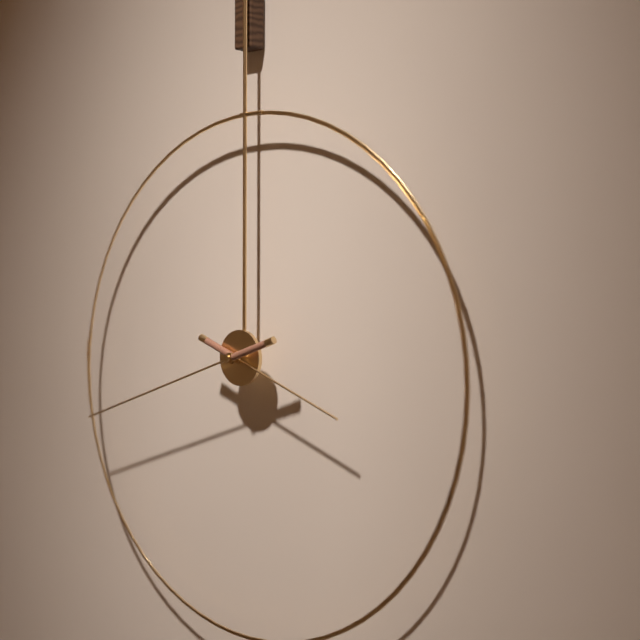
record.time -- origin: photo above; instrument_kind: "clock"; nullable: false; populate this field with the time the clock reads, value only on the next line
3:42
